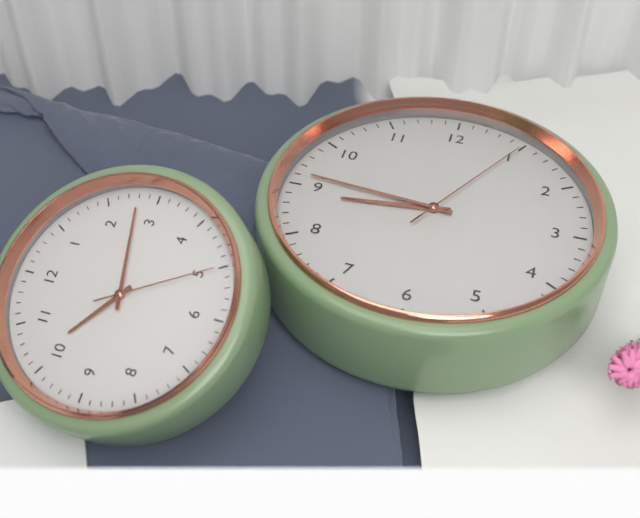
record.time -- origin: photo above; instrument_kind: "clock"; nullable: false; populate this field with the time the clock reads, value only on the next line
8:46:05
